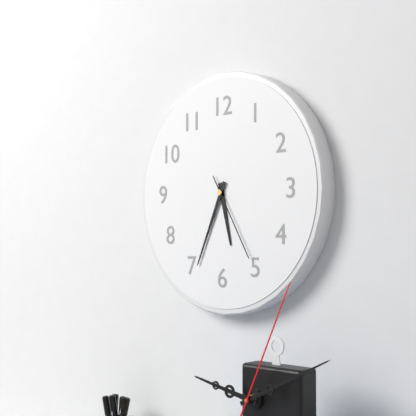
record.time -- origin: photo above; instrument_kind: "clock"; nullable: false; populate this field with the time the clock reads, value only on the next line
5:34:25
